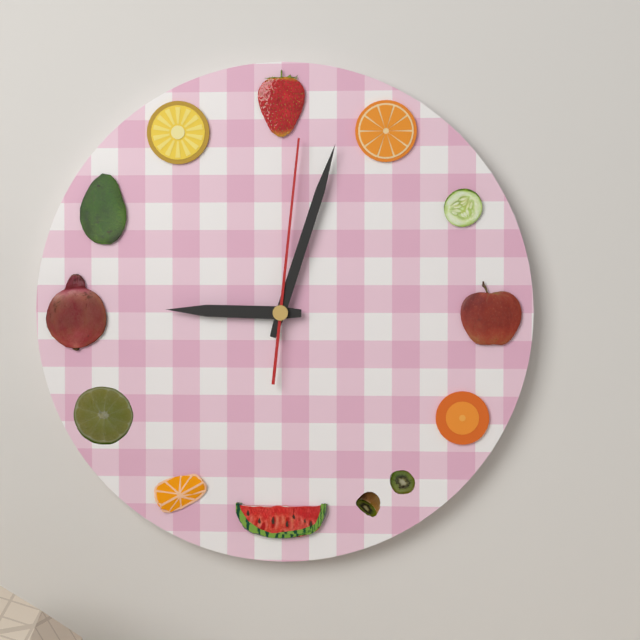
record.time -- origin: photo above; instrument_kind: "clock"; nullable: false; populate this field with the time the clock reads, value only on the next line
9:03:01
